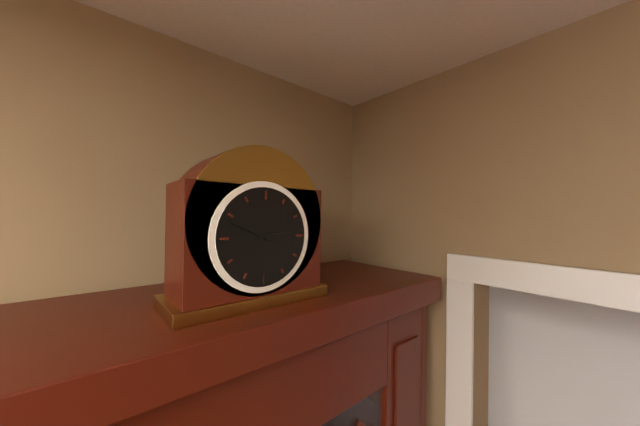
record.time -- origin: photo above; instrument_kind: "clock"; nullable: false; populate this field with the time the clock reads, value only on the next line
2:49
